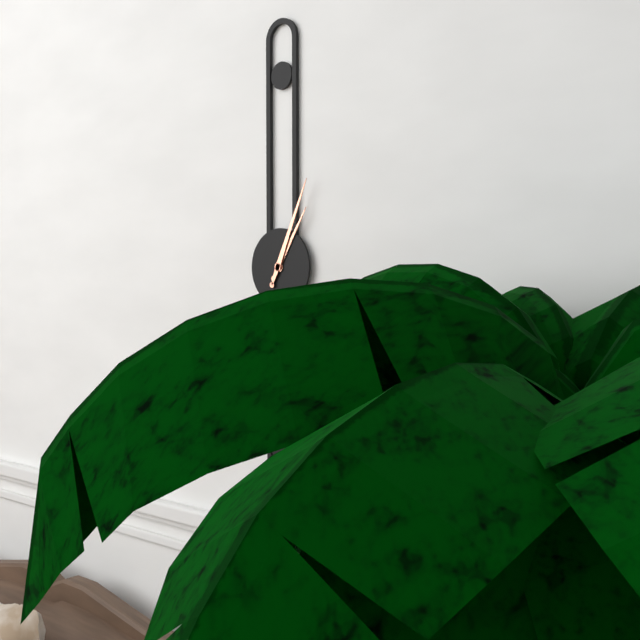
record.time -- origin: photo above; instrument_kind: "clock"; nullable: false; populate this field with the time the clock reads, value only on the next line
1:04
